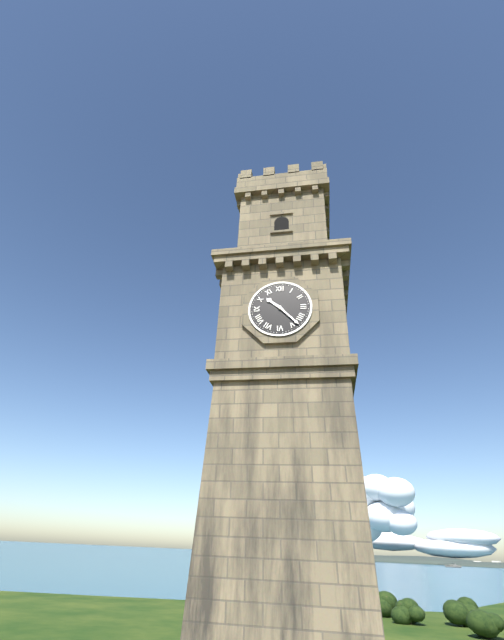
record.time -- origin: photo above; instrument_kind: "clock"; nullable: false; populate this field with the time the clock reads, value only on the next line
10:23
